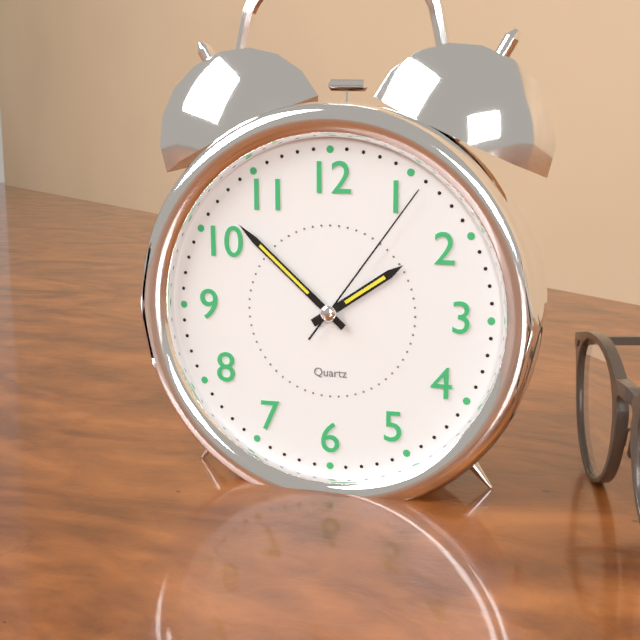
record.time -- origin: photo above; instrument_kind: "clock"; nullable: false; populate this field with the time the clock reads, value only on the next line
1:52:06
